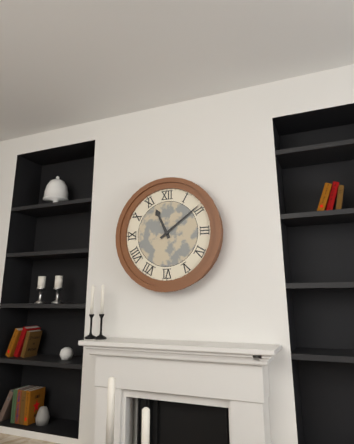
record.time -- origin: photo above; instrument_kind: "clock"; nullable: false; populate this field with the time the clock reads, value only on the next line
11:09
